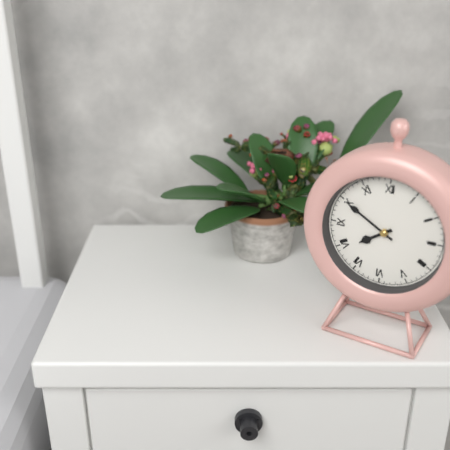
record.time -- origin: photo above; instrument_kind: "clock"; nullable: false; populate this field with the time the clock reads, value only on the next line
7:50
